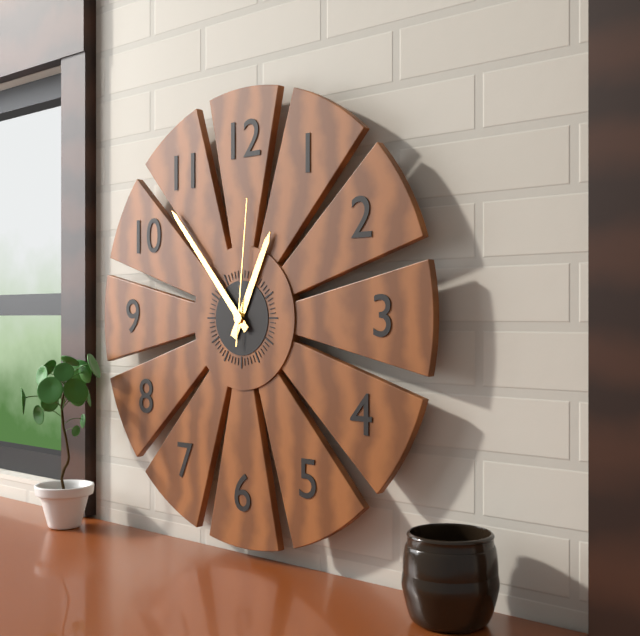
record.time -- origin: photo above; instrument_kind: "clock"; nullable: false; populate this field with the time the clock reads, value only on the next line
12:53:01
